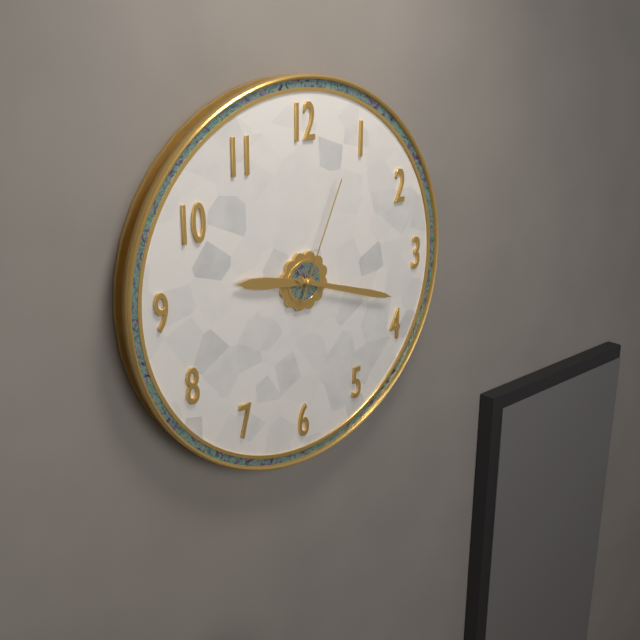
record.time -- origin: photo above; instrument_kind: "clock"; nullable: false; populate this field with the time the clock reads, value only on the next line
9:18:04
